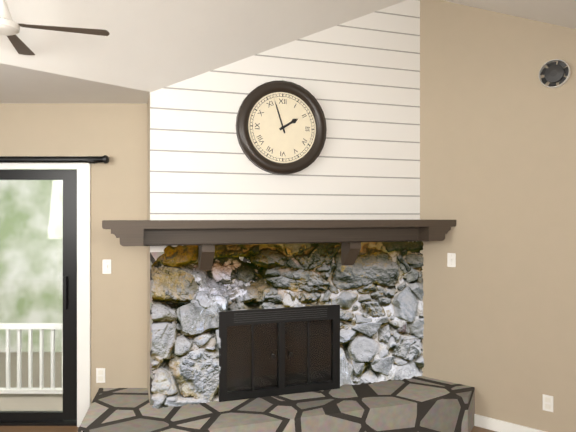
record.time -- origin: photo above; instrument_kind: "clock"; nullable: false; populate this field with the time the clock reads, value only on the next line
1:57
